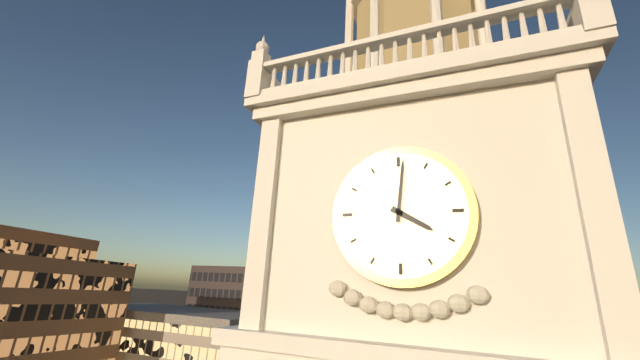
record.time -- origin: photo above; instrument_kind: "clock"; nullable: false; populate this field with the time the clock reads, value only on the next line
4:01
